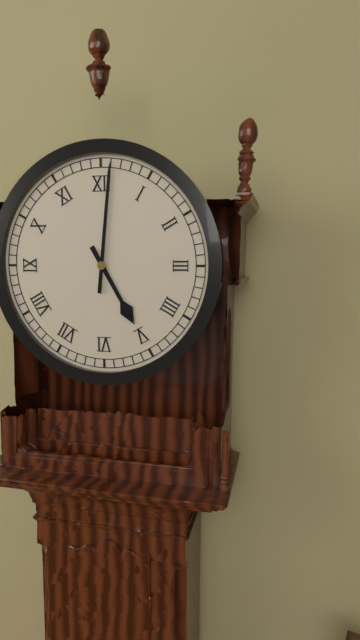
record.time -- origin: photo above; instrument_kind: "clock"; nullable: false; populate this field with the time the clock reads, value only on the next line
5:01
